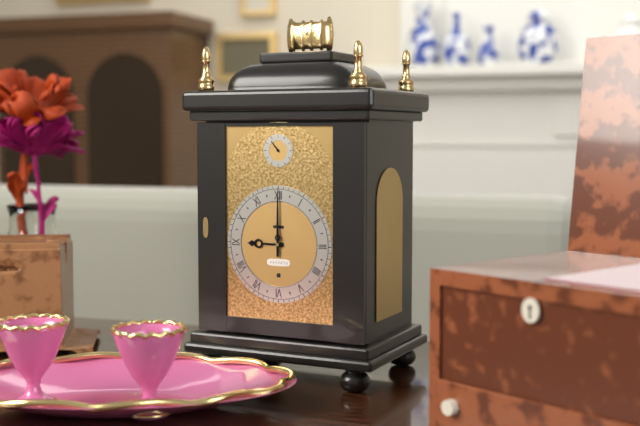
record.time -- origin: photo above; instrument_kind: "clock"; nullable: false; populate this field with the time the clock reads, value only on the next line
9:00
